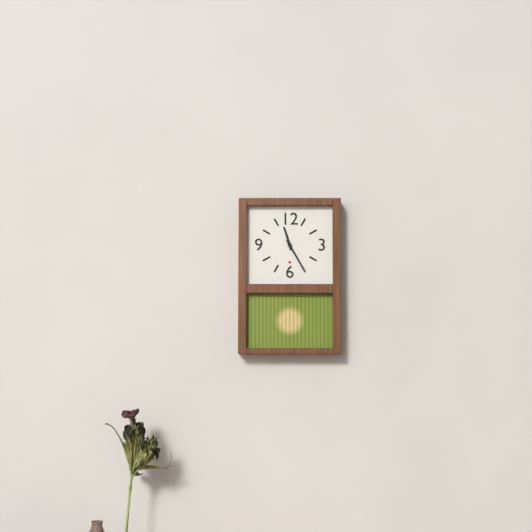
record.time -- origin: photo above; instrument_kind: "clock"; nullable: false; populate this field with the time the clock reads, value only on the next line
11:25
